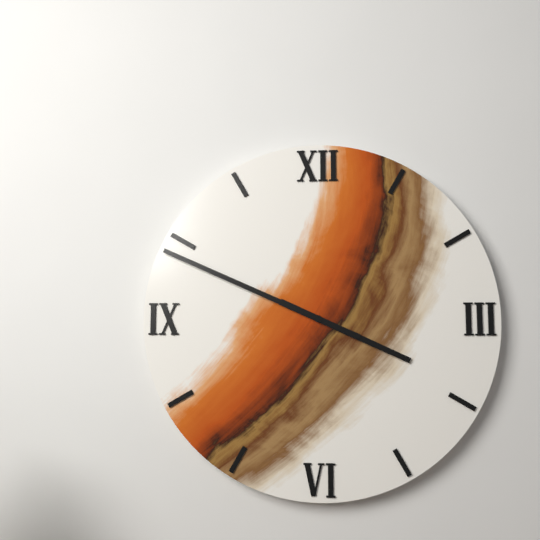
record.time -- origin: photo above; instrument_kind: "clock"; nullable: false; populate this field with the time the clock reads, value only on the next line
3:49
